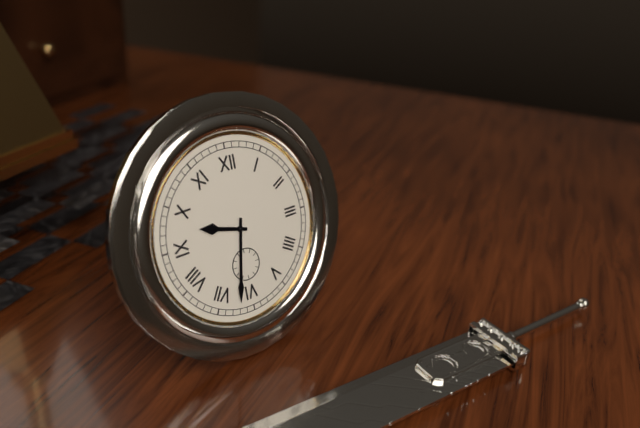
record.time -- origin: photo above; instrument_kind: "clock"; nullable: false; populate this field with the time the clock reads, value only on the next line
9:32
